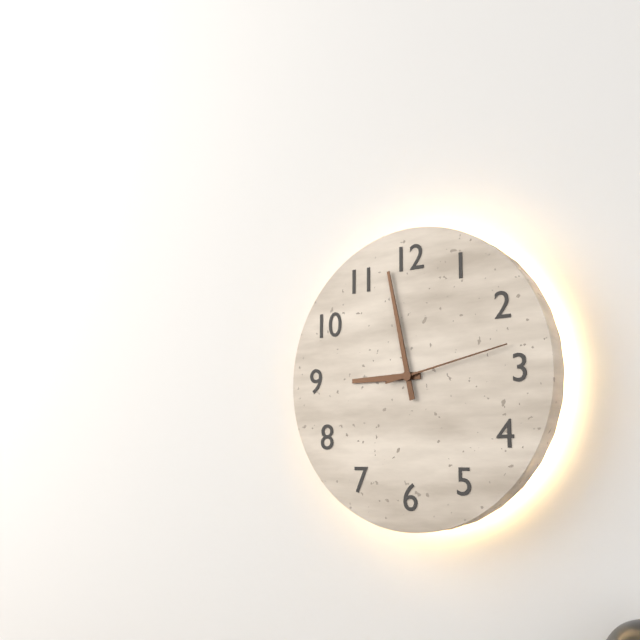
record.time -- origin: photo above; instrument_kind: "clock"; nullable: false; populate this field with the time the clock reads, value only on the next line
8:58:13
